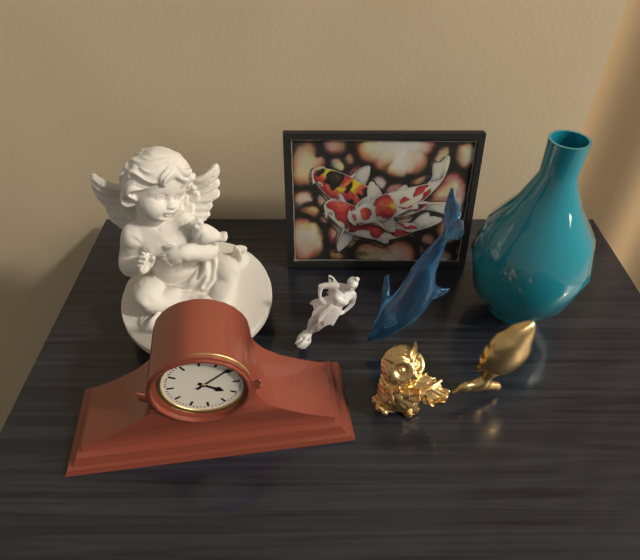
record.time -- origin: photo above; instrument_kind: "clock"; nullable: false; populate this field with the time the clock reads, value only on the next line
4:09
